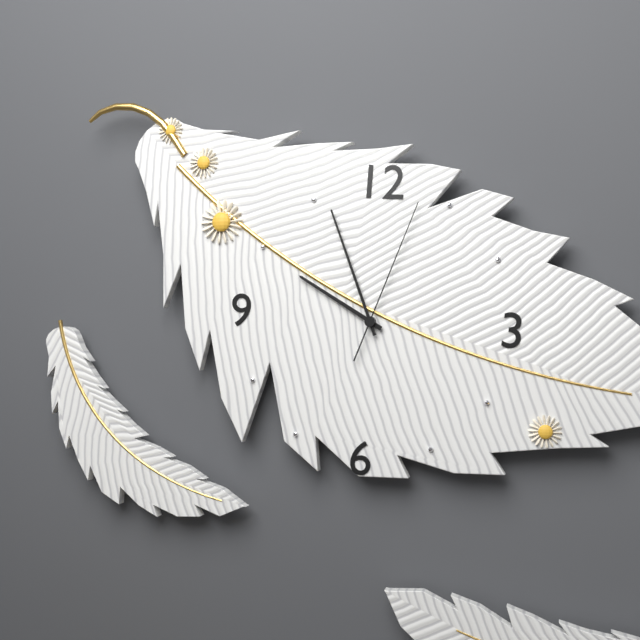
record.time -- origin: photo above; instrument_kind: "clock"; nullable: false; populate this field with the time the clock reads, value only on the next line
9:56:03
